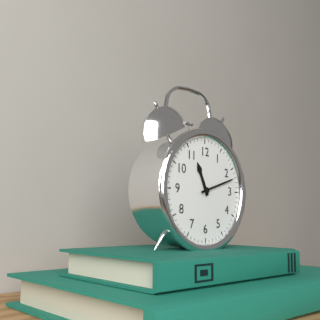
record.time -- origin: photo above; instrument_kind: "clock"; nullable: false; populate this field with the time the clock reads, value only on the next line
11:12
